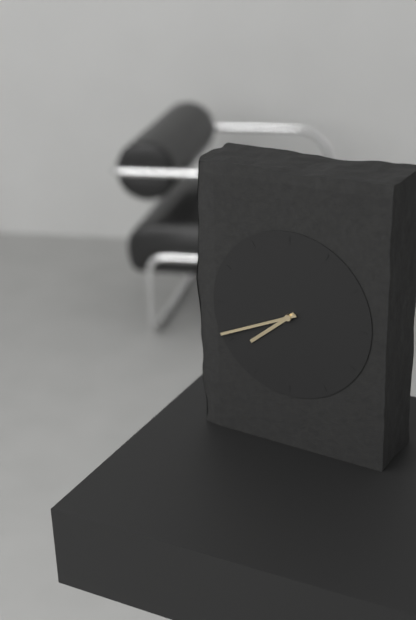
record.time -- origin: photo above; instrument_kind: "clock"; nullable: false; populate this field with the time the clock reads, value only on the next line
7:41
